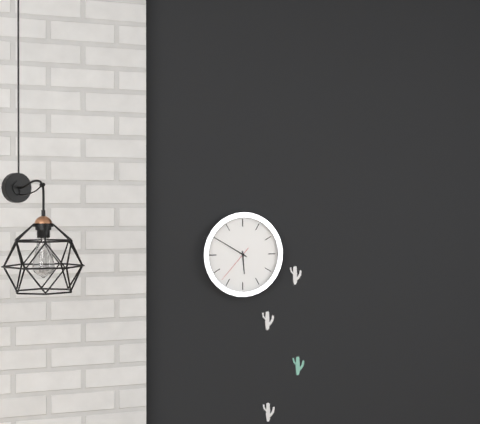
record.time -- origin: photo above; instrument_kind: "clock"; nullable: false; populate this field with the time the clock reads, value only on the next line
5:50
